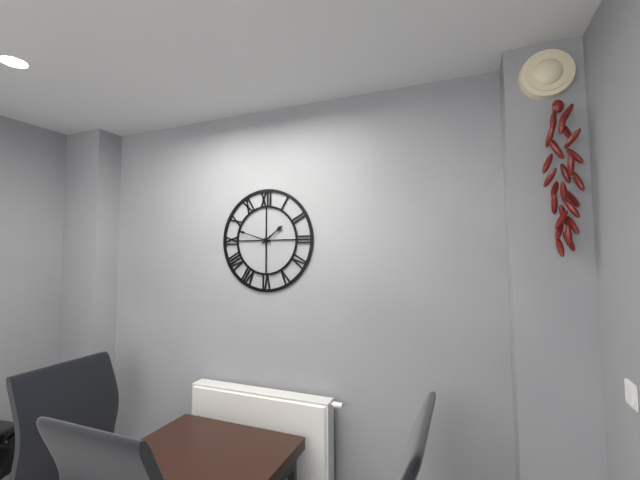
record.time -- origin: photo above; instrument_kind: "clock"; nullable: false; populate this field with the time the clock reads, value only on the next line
1:48
